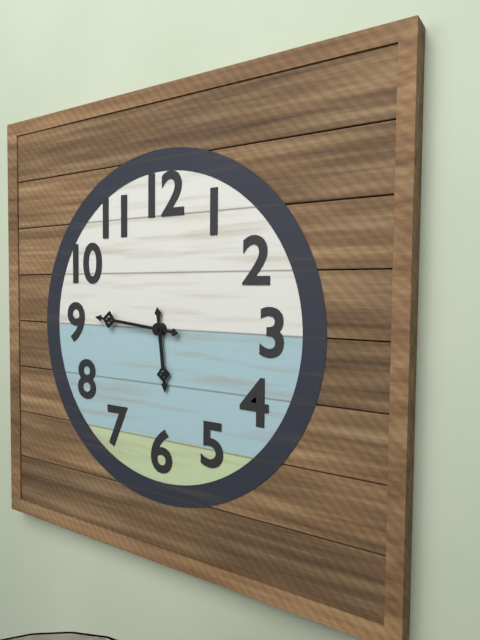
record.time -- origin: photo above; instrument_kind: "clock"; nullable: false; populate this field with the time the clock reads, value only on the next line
5:46
